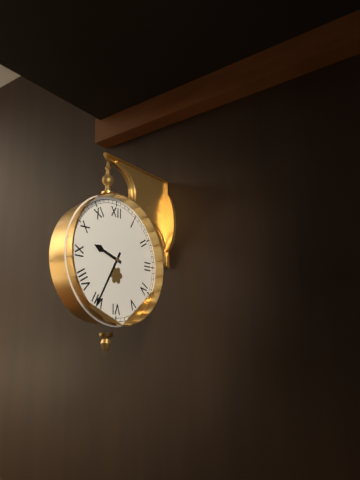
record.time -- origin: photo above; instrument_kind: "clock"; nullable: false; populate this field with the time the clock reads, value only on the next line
9:35
